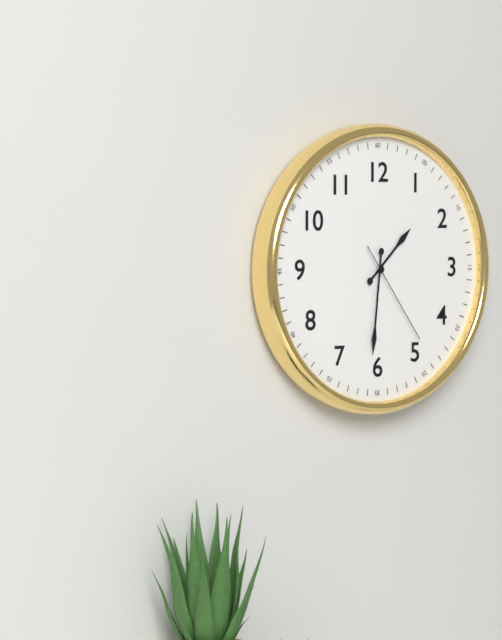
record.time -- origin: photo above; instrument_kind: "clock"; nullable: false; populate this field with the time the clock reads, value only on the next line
1:31:24
